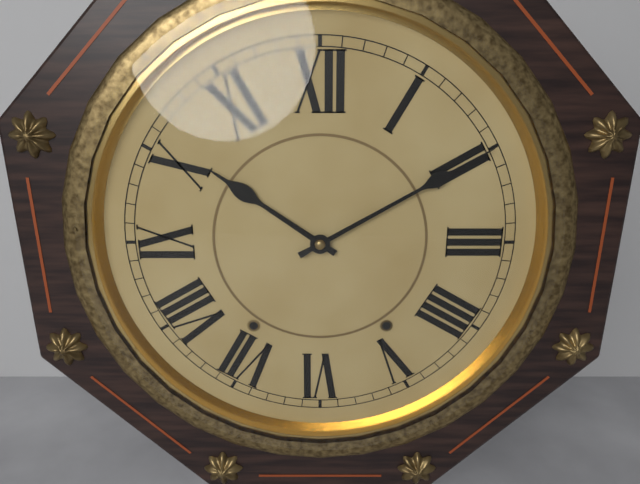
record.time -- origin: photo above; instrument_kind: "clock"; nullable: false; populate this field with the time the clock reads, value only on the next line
10:10
